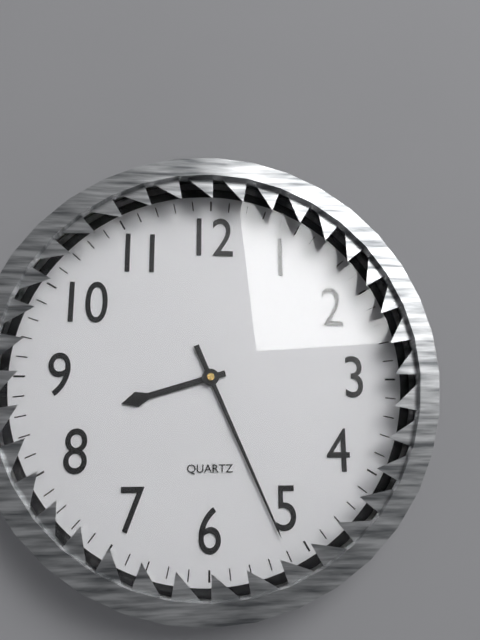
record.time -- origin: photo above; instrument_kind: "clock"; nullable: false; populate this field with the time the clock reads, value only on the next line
8:26
